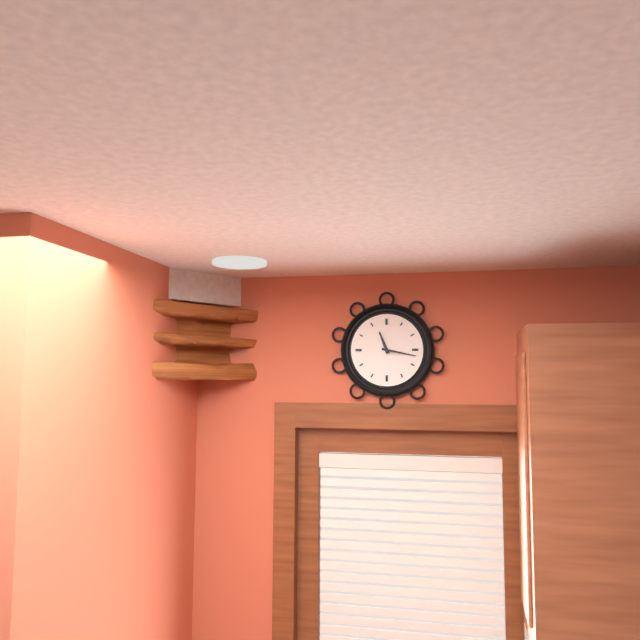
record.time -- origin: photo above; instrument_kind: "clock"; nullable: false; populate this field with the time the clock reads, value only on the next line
11:17
